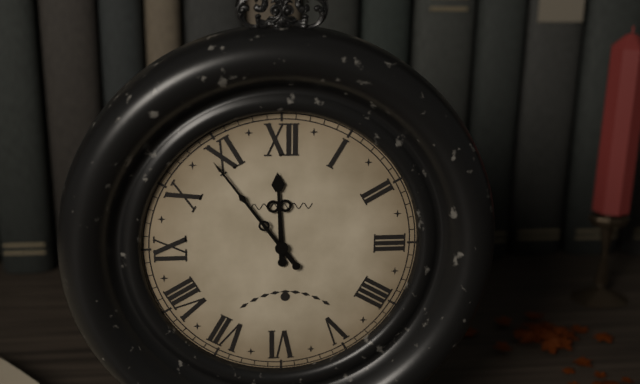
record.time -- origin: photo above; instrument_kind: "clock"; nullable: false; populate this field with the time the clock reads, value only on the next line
11:54
